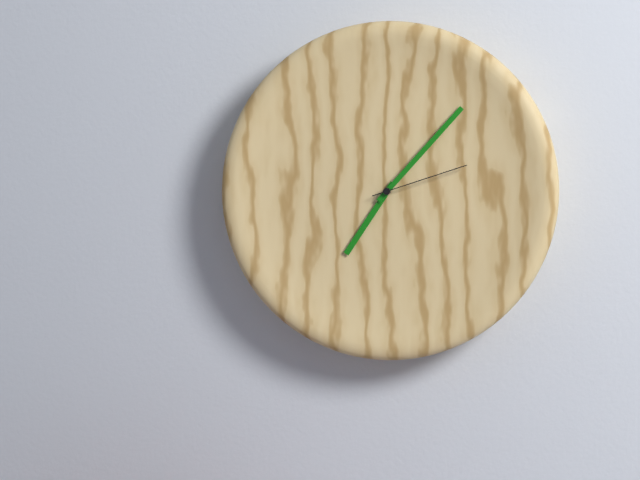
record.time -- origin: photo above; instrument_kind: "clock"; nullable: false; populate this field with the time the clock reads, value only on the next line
7:07:12
